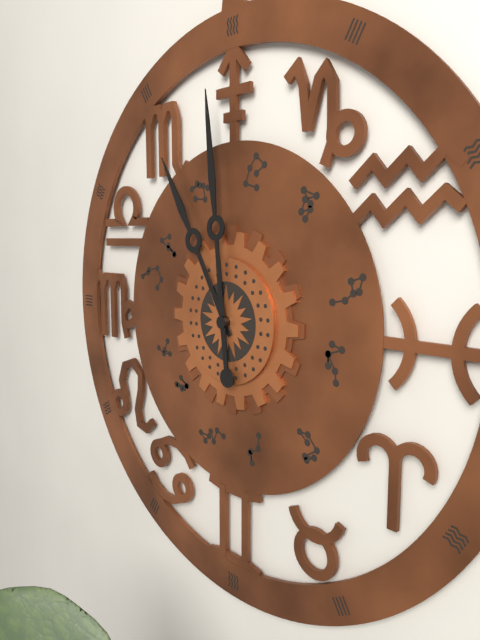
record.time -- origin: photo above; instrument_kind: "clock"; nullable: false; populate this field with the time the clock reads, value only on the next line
10:59
